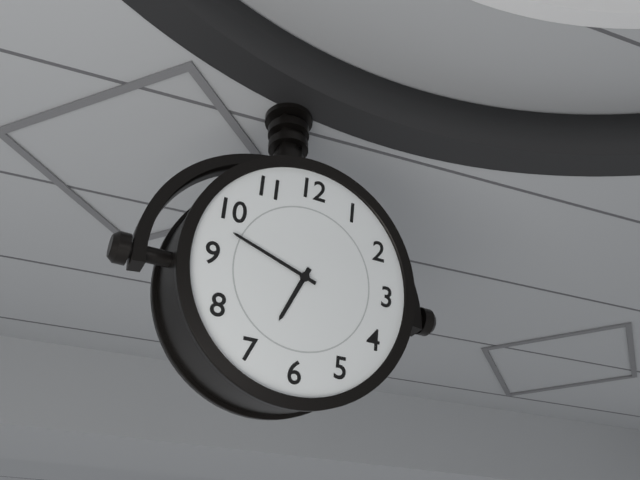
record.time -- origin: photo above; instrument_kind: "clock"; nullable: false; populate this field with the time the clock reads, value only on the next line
6:48
